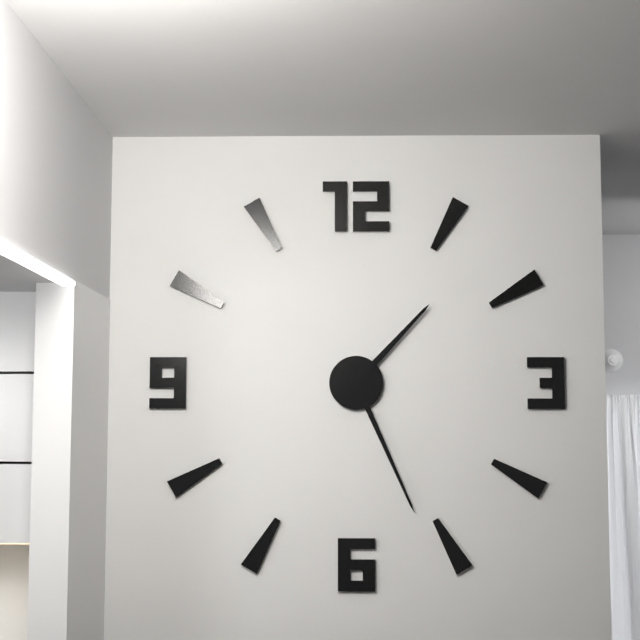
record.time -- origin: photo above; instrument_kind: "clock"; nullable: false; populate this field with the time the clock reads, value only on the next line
1:26
